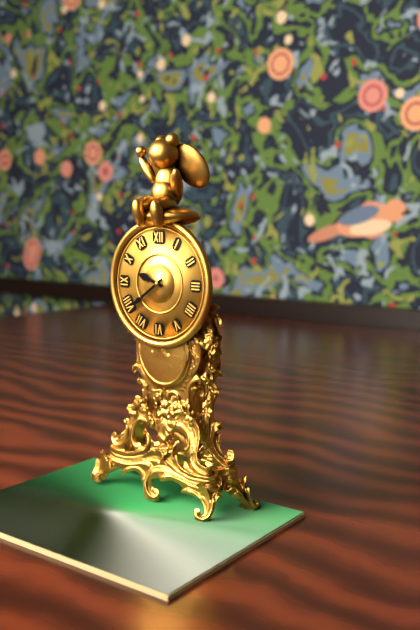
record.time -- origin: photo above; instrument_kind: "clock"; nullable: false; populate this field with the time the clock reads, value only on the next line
9:39
